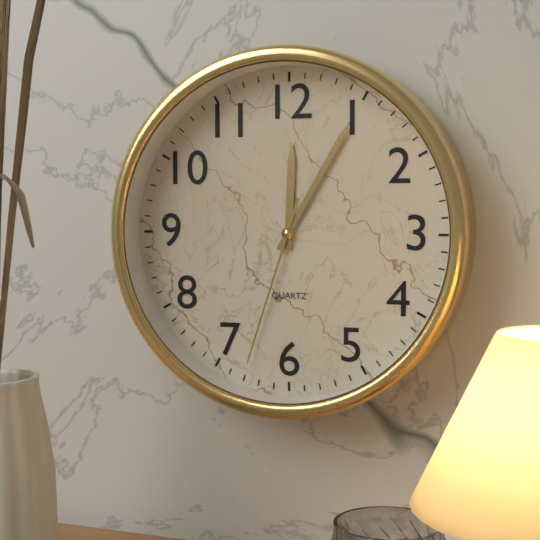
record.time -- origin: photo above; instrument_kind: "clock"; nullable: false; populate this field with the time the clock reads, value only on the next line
12:05:33
